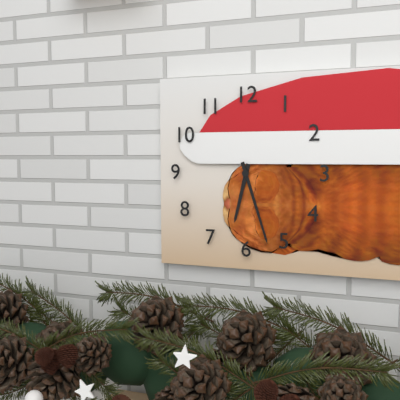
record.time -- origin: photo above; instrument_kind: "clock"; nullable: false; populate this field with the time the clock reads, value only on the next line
6:27
